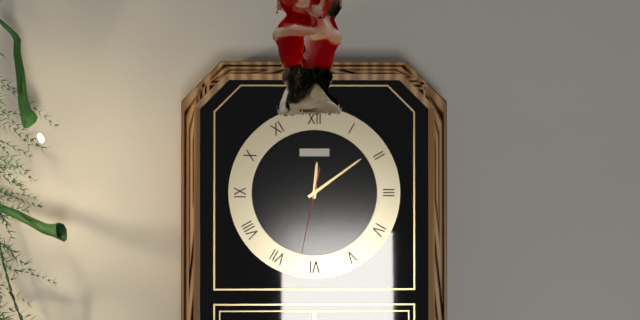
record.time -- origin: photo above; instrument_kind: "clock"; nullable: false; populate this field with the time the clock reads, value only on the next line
12:09:32
